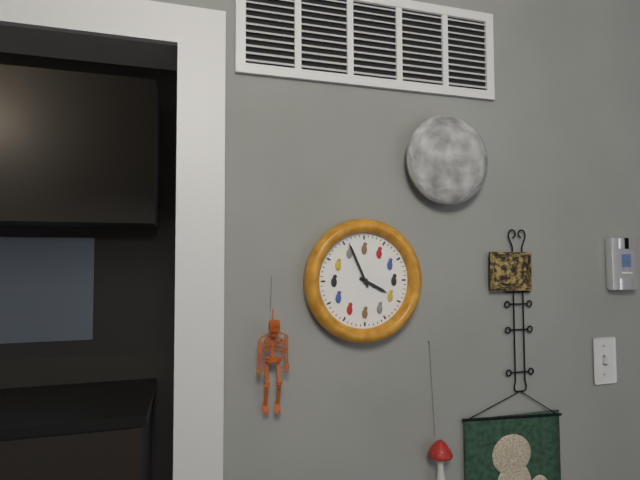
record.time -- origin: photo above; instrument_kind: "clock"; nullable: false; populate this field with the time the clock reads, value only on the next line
3:56
